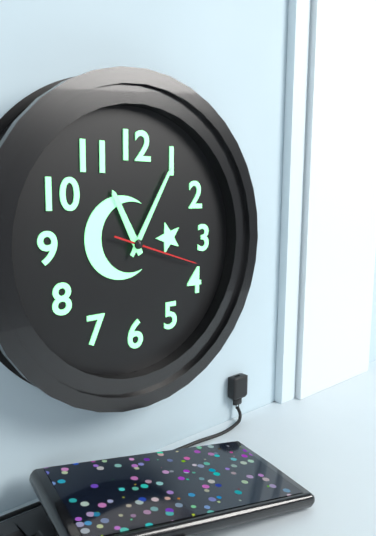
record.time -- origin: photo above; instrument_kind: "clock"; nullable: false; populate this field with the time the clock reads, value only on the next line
11:05:18
